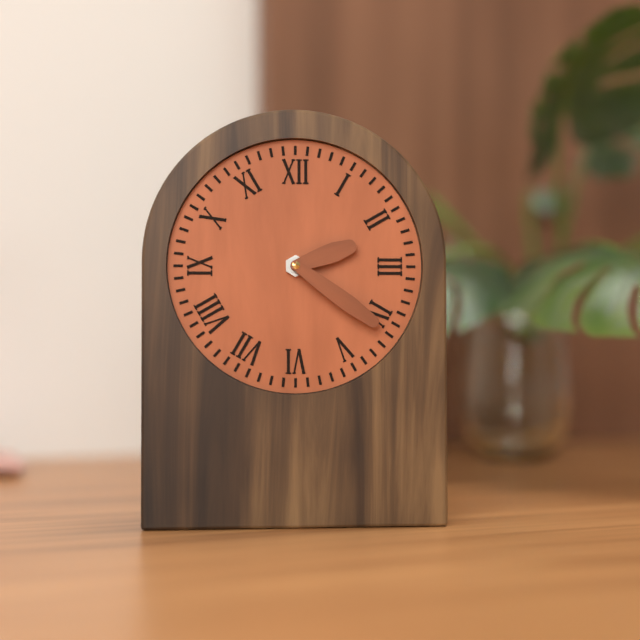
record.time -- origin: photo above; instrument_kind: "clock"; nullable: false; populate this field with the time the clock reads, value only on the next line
2:21
